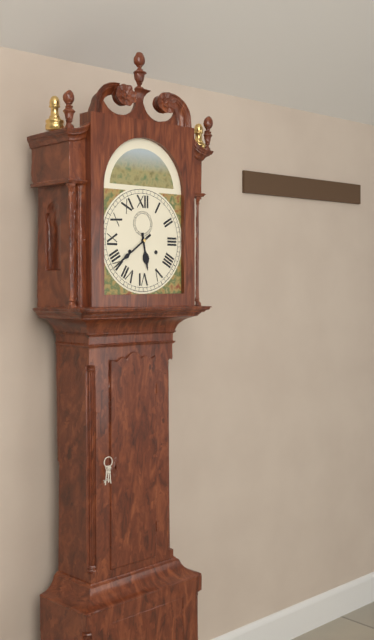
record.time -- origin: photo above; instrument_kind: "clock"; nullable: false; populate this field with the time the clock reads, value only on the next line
5:39
